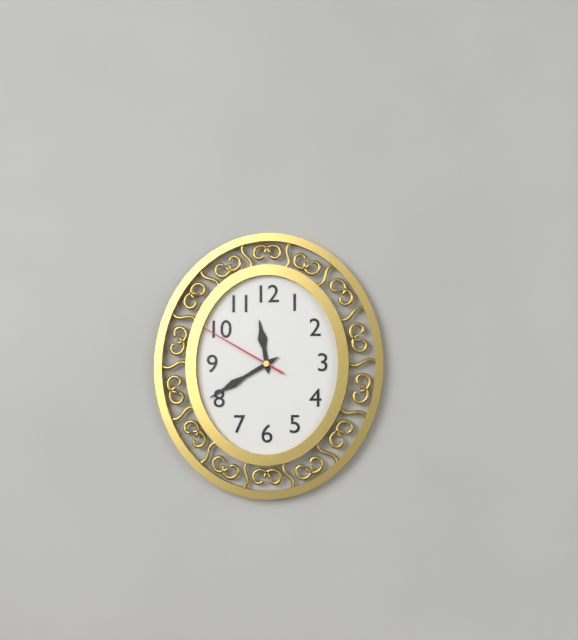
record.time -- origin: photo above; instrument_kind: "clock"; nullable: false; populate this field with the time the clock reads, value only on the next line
11:40:50
